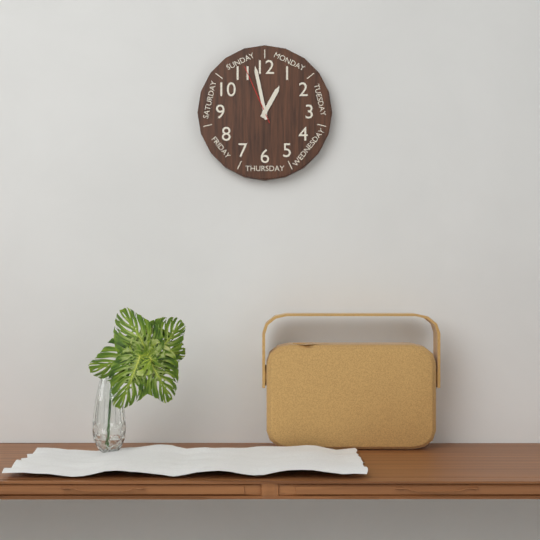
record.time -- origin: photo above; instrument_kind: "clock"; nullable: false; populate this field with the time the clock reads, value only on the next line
12:58:56
